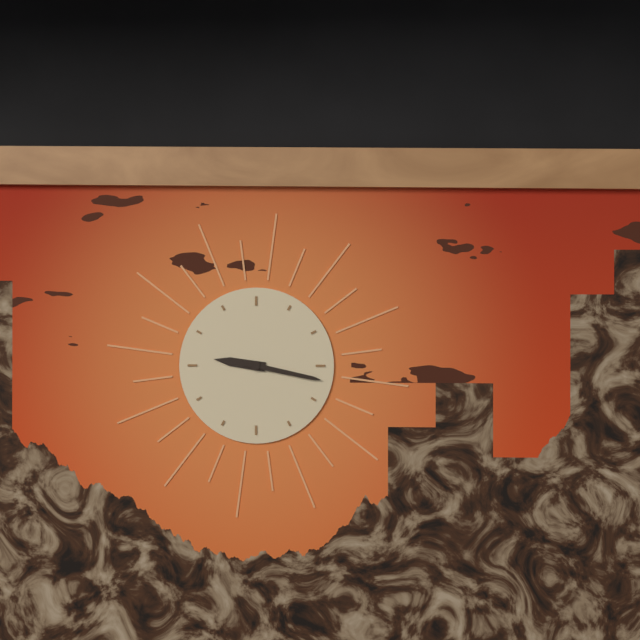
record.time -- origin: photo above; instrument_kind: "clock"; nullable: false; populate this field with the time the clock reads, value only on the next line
9:17
